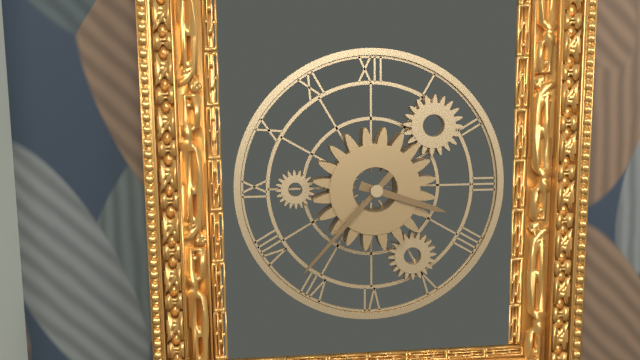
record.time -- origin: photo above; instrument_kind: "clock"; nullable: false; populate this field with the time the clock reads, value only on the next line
3:37
